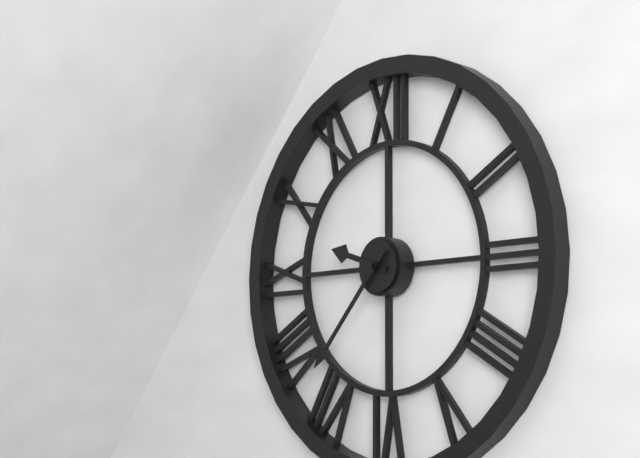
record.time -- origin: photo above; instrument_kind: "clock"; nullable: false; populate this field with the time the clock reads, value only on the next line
9:37
